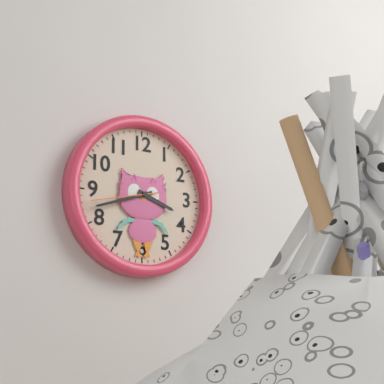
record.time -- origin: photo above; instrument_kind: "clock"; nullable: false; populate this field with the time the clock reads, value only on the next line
3:42:43
